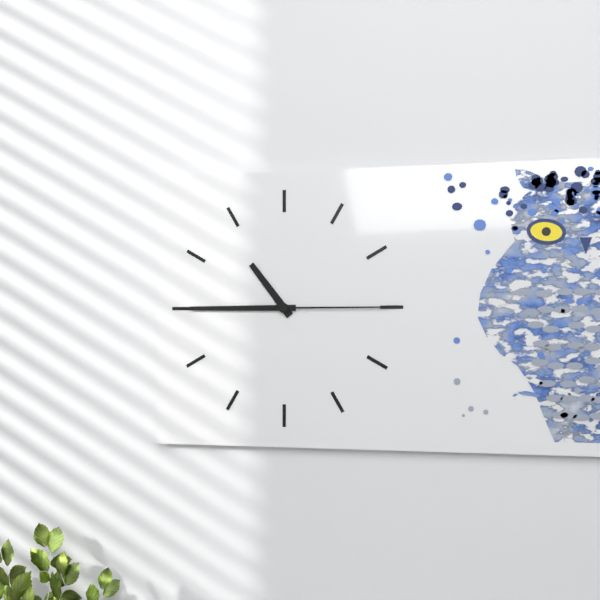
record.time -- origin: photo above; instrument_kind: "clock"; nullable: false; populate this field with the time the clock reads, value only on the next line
10:45:15
